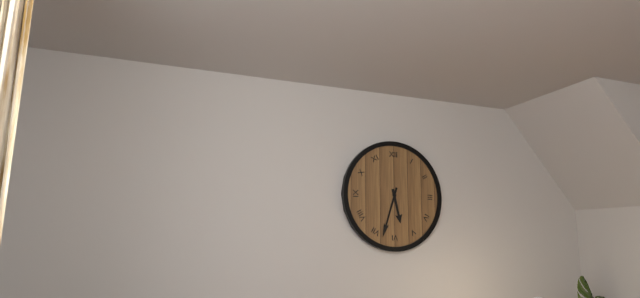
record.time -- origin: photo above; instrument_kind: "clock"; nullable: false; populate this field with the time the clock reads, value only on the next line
5:33
